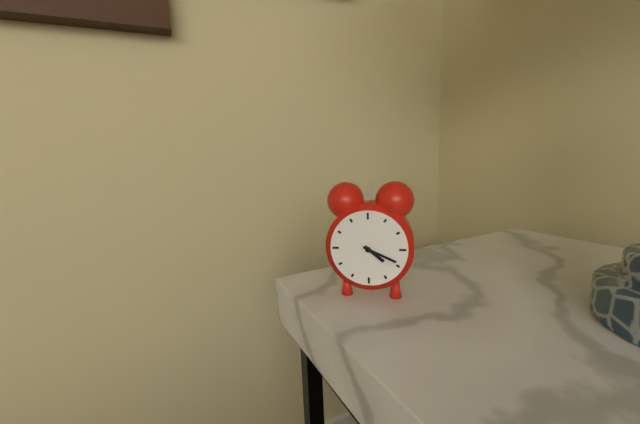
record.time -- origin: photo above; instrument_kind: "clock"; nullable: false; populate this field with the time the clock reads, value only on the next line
4:19
